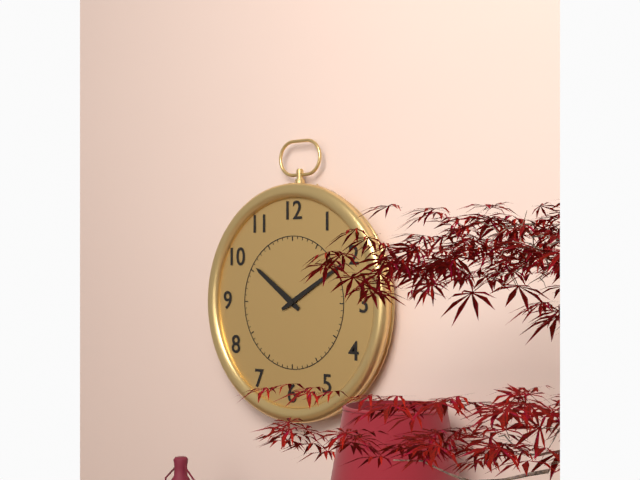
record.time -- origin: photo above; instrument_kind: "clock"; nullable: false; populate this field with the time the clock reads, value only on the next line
10:10
